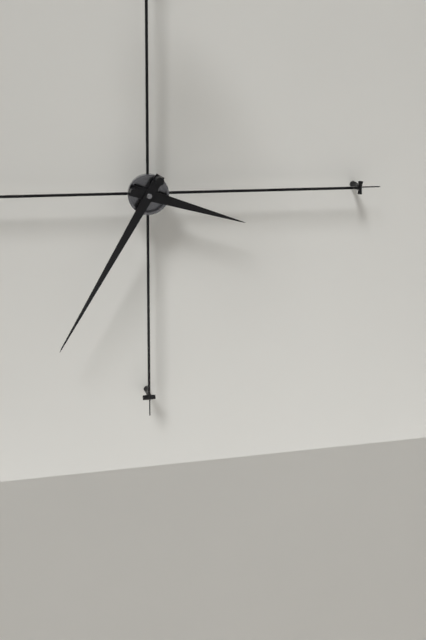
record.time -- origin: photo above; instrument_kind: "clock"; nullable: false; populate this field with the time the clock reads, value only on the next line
3:35
